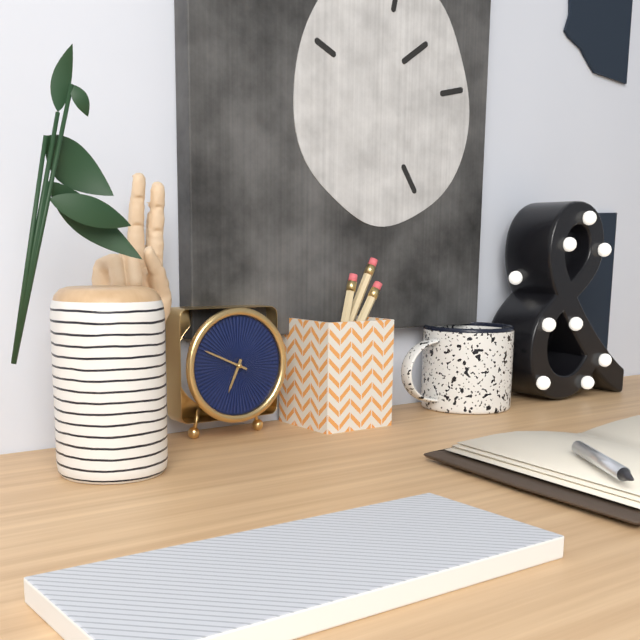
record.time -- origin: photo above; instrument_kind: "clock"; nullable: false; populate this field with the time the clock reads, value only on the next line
6:49
